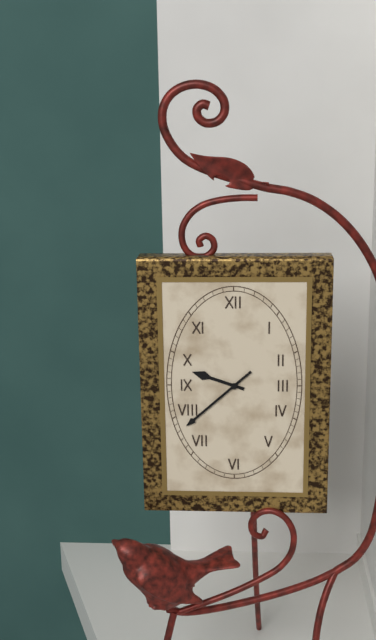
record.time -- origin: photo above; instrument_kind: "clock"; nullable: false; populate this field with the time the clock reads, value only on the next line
9:38
